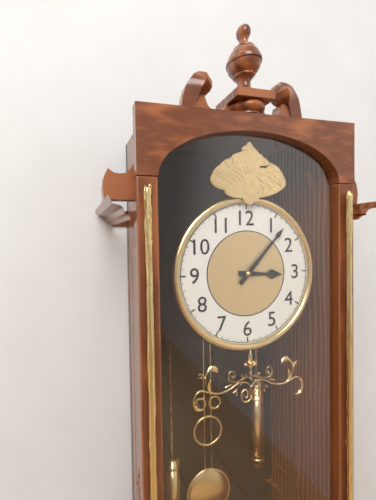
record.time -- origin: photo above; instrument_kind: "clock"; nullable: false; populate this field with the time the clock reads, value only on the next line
3:07
